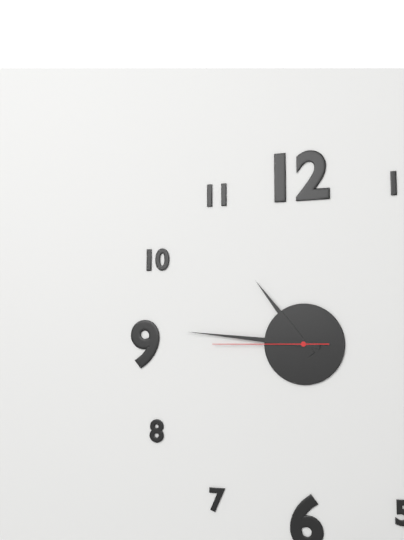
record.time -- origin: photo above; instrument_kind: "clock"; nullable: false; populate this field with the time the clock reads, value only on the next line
10:46:45
